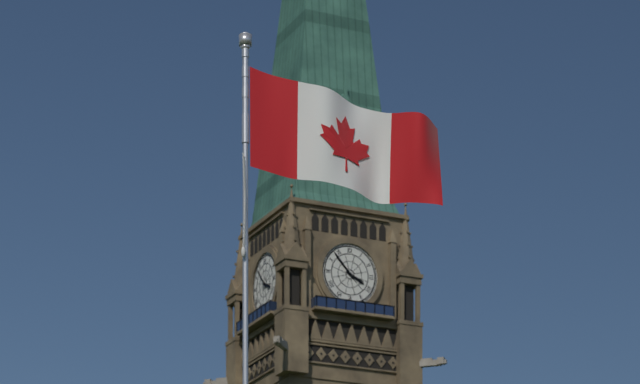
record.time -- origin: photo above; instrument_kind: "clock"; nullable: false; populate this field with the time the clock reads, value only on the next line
3:53
